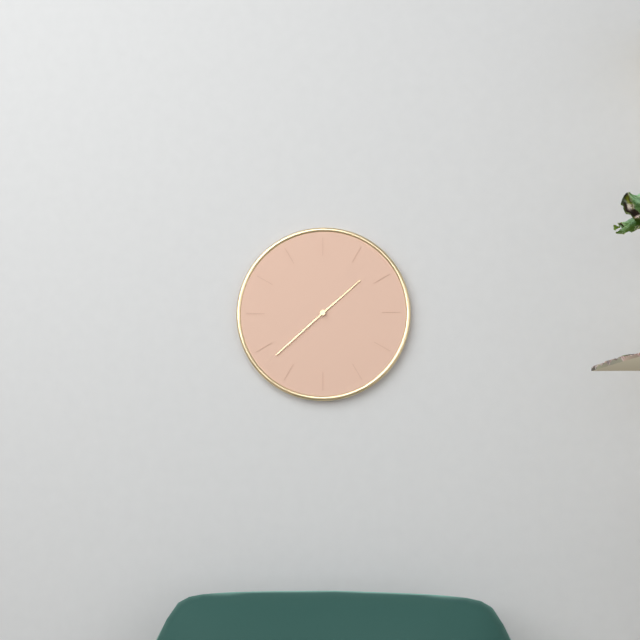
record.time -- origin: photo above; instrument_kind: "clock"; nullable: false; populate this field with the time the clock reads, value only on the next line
1:38
